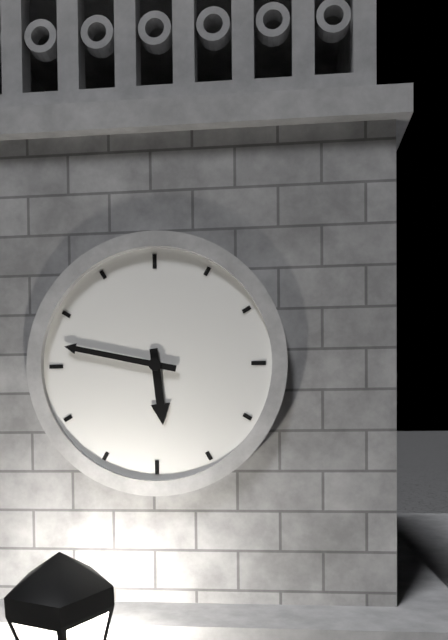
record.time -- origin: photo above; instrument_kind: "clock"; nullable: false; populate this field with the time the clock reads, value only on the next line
5:47
